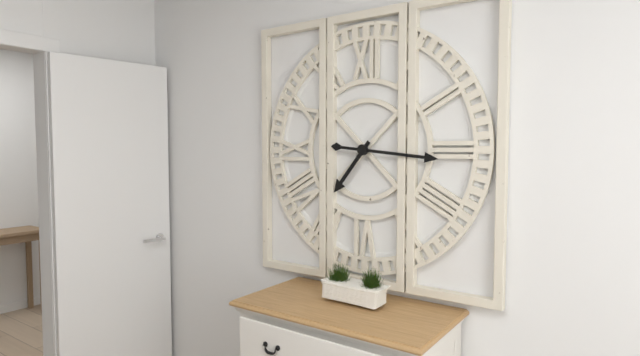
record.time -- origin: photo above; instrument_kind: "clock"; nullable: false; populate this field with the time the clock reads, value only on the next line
7:16
